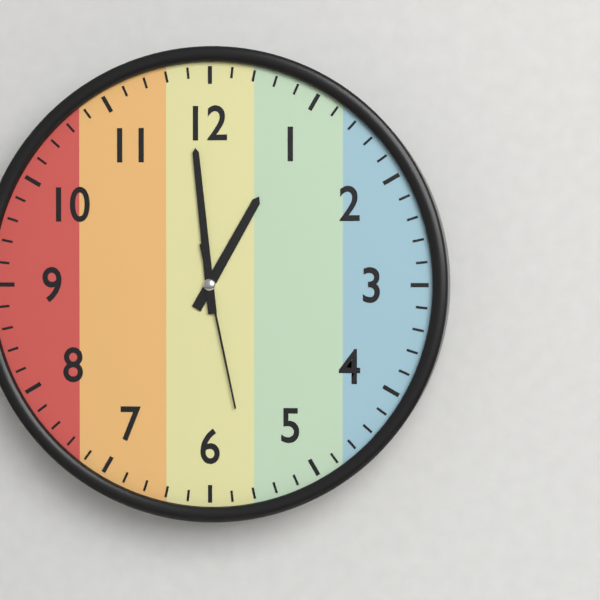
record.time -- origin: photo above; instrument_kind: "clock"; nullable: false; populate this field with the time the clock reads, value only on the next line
12:59:28
